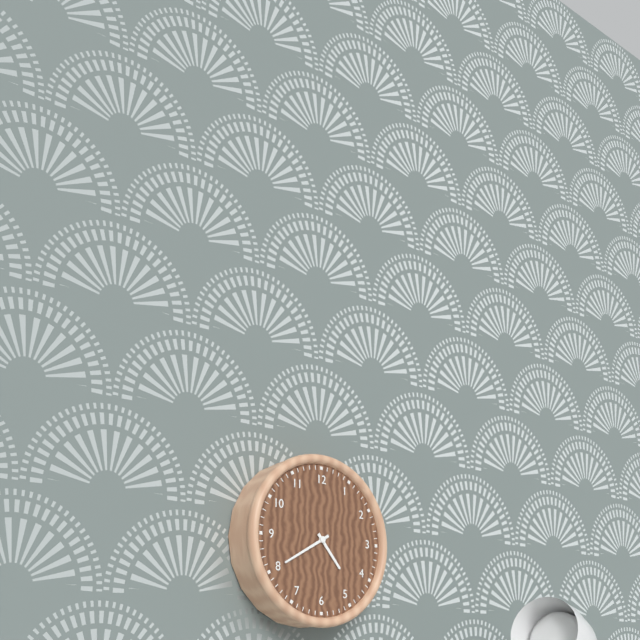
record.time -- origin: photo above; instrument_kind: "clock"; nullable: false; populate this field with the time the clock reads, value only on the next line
4:40
